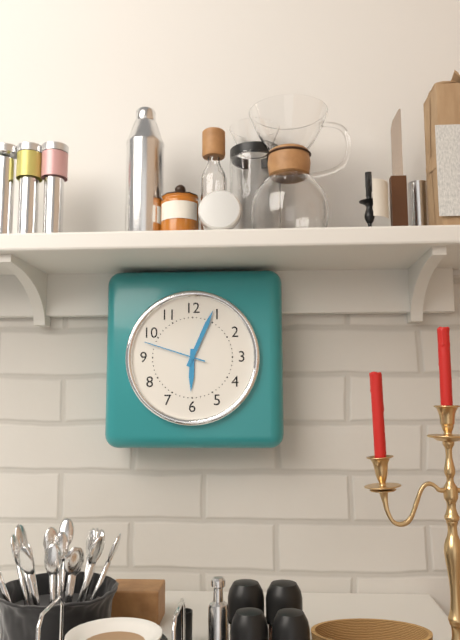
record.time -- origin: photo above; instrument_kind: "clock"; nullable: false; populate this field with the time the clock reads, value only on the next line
6:04:48
